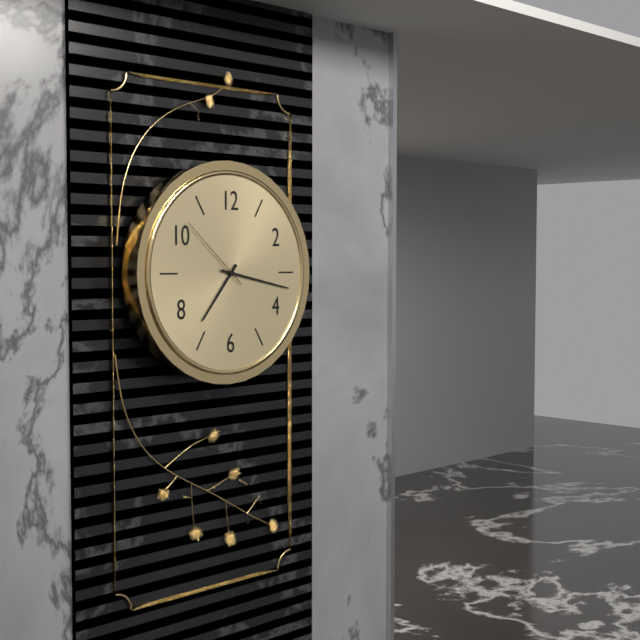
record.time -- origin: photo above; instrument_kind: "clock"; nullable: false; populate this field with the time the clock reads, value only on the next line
7:17:52
